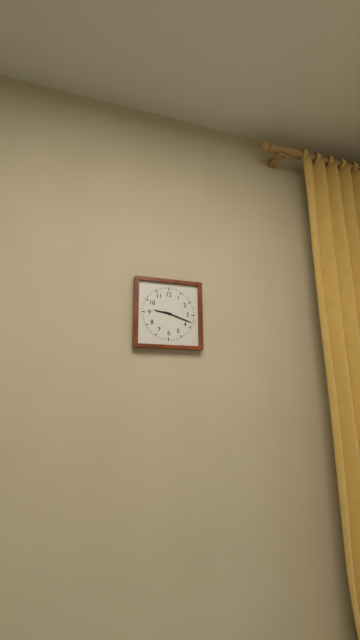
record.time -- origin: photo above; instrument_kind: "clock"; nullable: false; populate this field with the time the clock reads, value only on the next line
9:18
